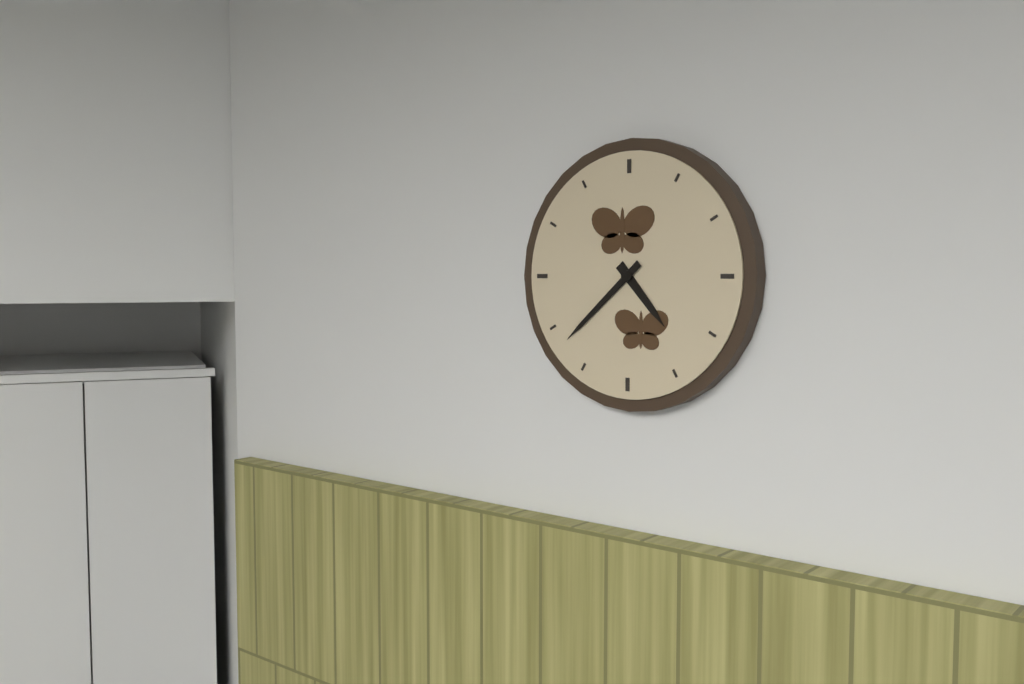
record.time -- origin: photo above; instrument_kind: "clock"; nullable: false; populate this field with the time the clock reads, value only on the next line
4:38
